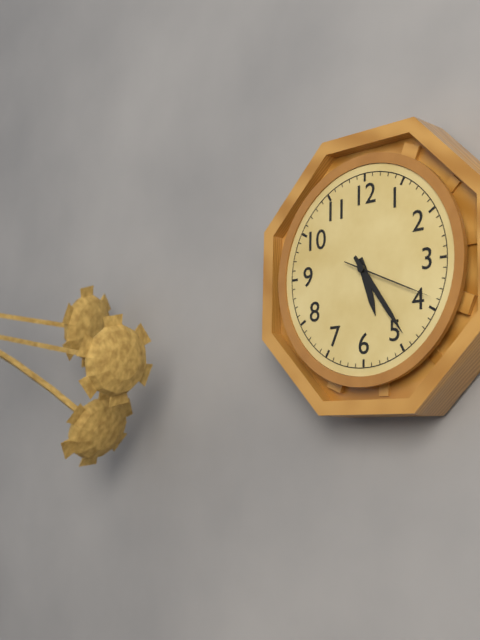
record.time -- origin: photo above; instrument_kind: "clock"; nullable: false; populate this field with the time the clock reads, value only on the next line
5:24:19
